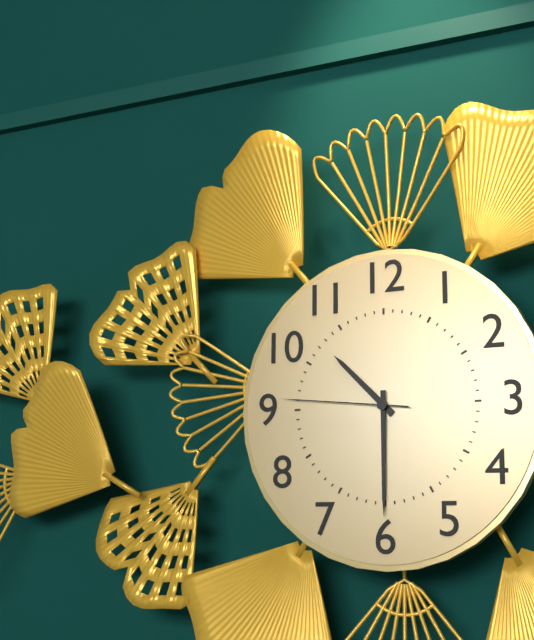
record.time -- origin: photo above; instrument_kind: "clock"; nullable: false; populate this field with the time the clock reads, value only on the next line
10:30:46
